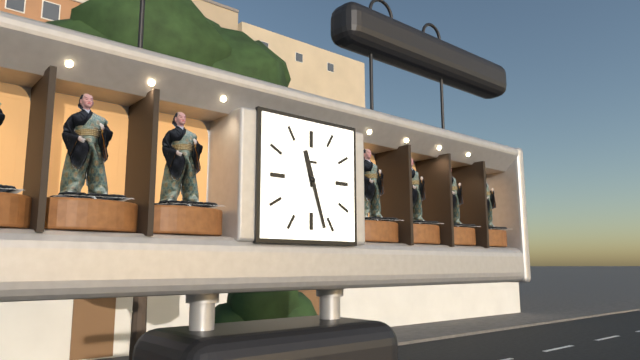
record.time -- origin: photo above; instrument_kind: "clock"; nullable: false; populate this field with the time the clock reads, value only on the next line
11:27
